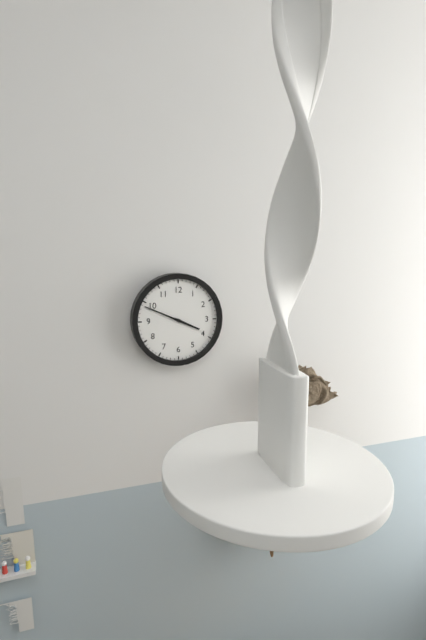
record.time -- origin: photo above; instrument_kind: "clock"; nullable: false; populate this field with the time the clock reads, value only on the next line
3:49
